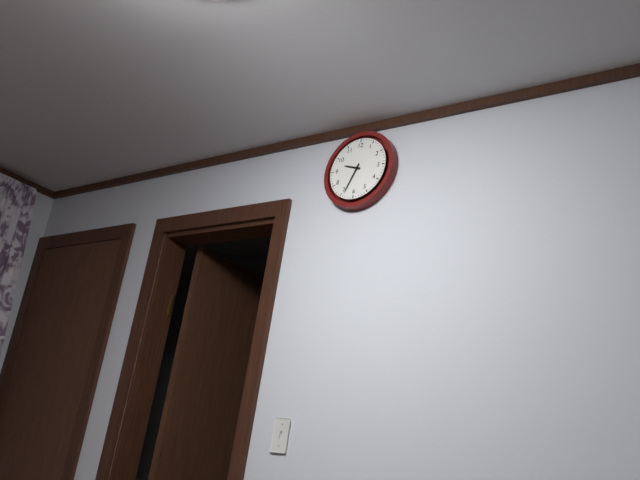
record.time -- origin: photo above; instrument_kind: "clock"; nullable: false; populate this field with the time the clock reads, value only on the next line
9:34
